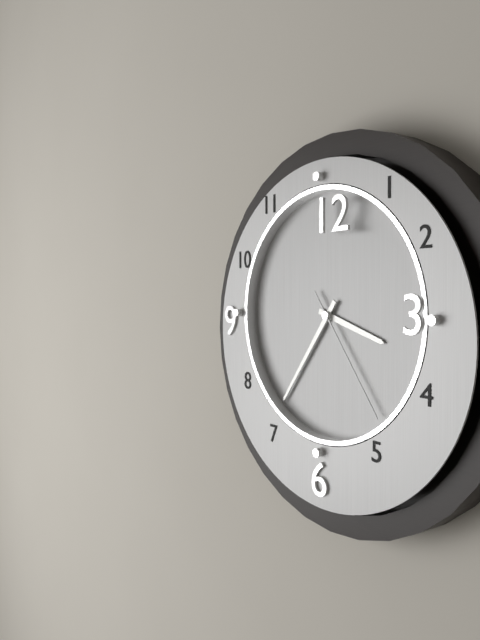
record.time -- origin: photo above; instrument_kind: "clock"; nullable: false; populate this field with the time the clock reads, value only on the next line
3:36:24
